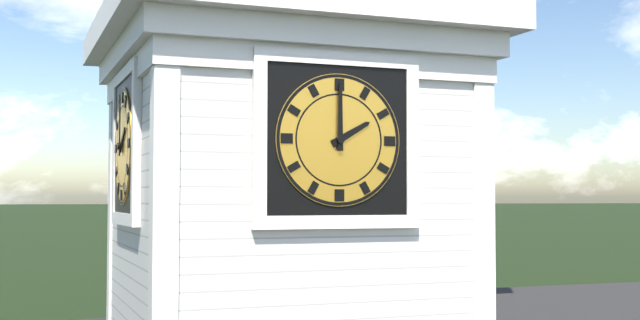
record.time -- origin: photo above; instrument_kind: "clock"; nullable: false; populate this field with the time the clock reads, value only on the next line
2:00
